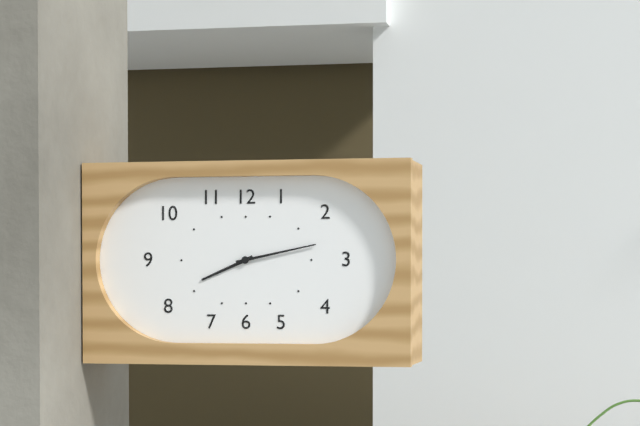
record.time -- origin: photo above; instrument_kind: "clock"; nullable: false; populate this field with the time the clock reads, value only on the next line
8:13
